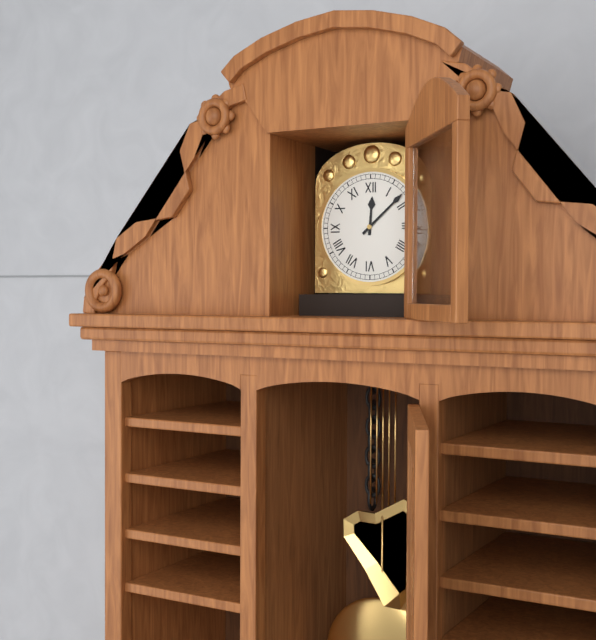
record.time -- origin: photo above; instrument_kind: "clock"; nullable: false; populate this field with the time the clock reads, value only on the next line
12:08
